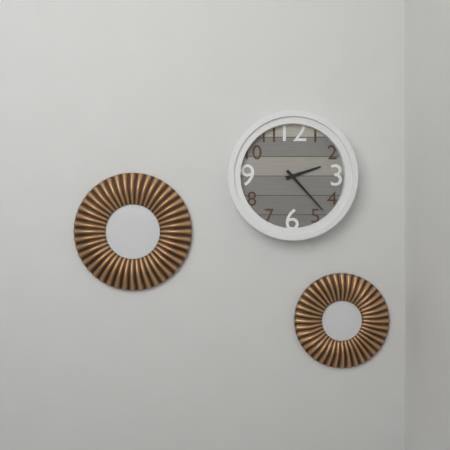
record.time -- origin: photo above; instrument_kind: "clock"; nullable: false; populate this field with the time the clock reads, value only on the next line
2:23
